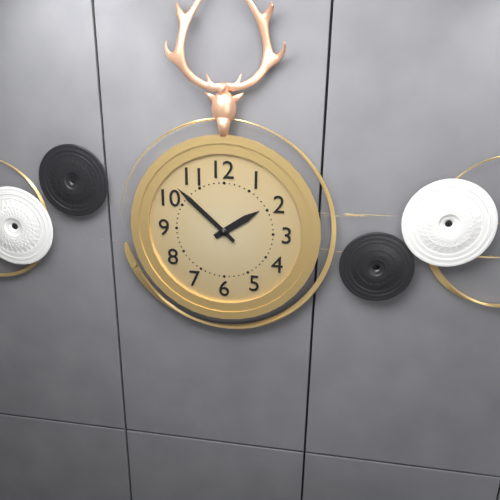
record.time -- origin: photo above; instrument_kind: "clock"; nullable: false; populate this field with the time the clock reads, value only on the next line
1:52
